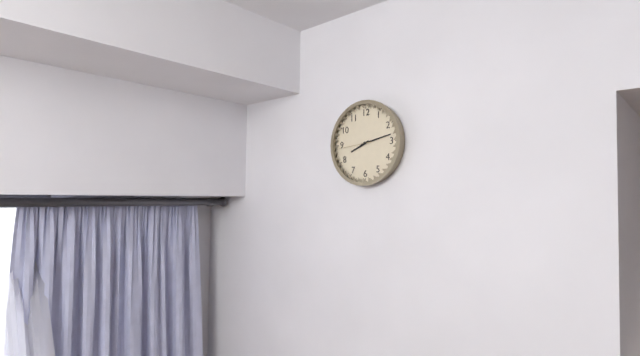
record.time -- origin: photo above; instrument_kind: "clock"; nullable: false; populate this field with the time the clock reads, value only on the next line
8:13
